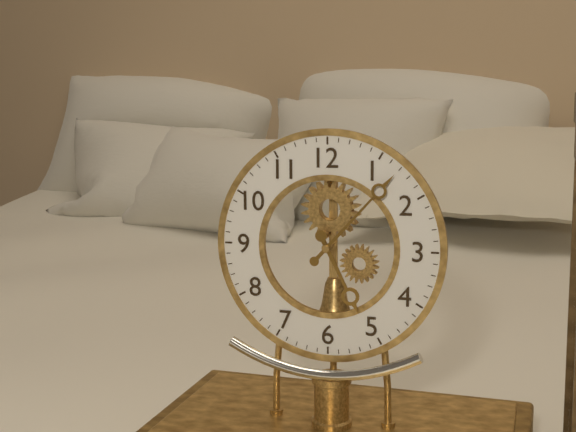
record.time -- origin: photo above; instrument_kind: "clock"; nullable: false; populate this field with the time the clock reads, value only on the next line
5:07
